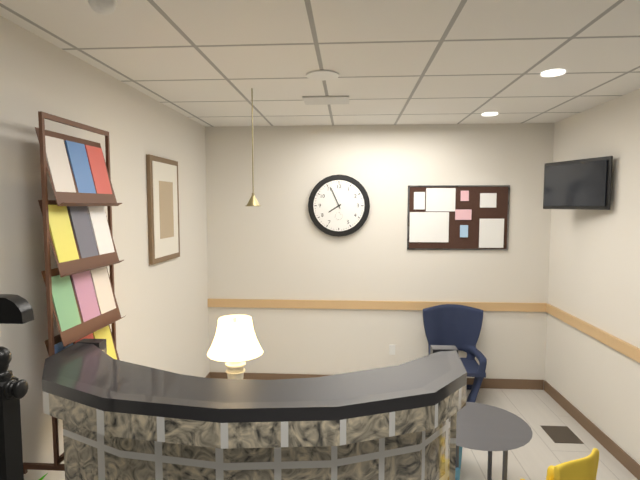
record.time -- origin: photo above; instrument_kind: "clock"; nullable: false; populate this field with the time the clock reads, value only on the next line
7:56
